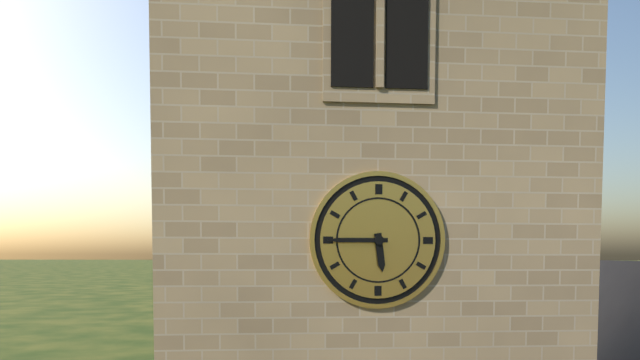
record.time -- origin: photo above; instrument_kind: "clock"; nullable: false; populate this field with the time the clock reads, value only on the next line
5:45
